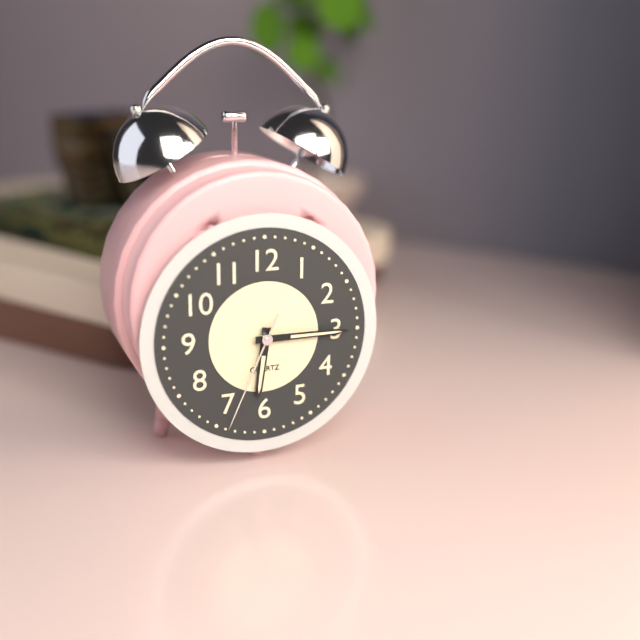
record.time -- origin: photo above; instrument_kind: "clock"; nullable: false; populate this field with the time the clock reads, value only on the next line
6:15:34
